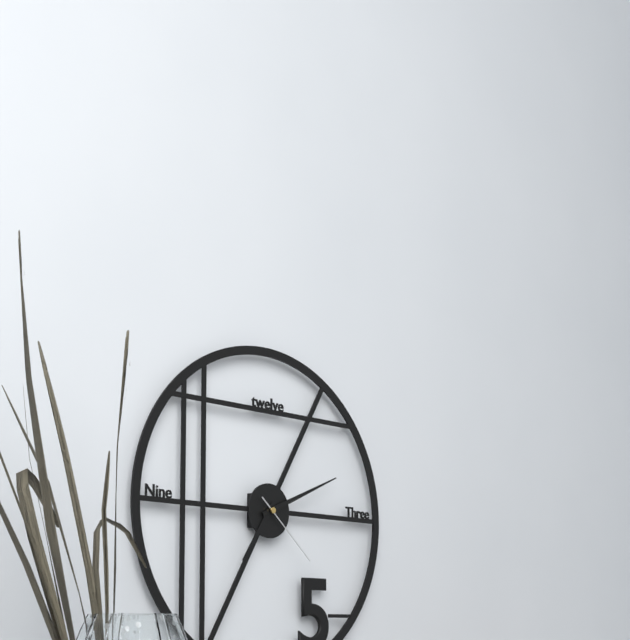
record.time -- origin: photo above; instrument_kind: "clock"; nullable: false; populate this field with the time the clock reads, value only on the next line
7:11:22
